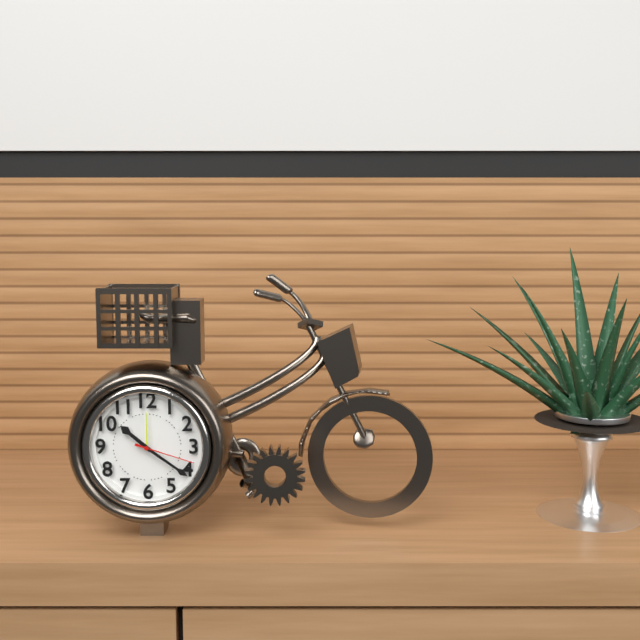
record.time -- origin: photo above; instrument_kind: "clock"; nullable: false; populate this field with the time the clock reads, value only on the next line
10:21:18
